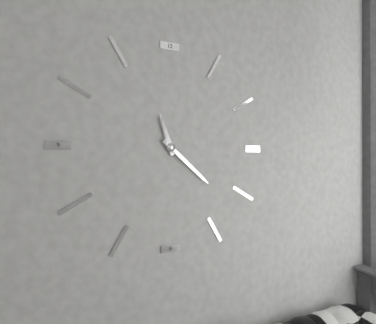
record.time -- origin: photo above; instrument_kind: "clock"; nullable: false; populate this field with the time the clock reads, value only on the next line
11:22
